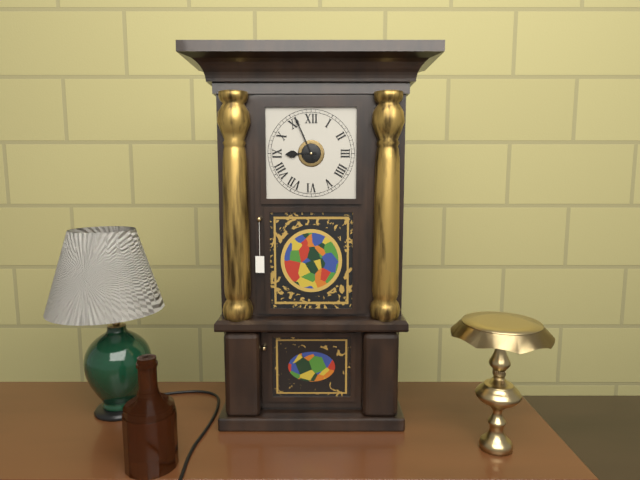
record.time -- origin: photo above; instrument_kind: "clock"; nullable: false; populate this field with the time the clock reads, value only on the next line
8:56
